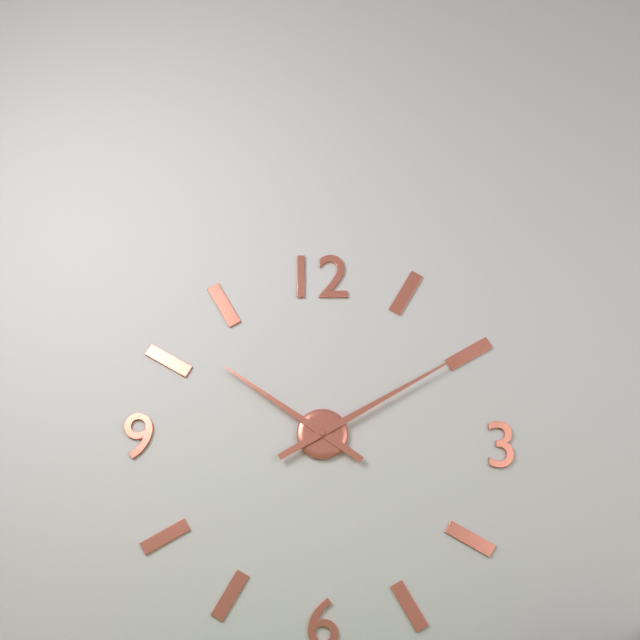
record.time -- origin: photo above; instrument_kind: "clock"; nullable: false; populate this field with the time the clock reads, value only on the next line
10:10
